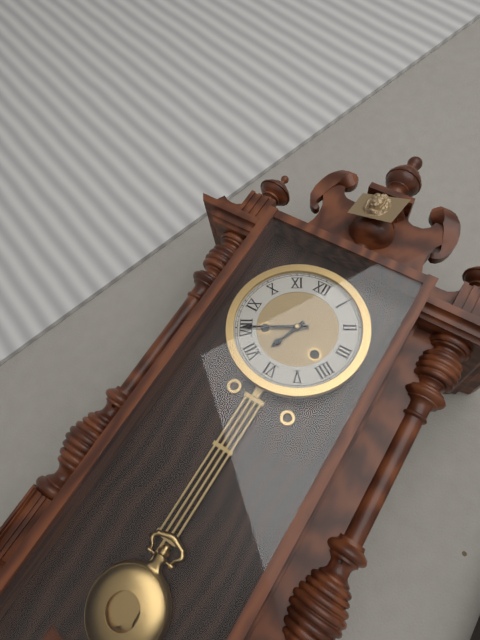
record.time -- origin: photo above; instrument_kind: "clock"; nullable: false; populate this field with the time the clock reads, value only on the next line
6:40
